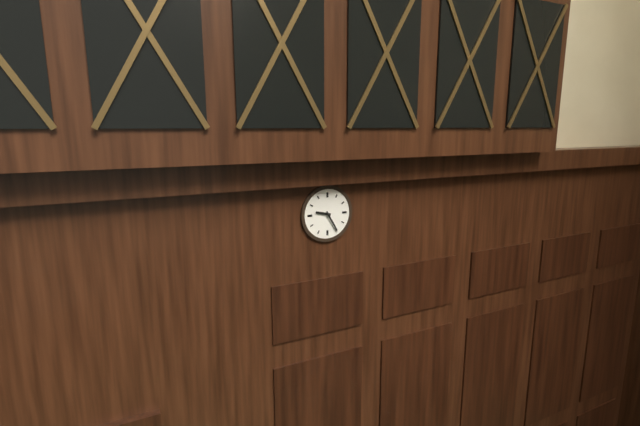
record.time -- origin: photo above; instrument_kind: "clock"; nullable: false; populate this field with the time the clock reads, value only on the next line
9:25
